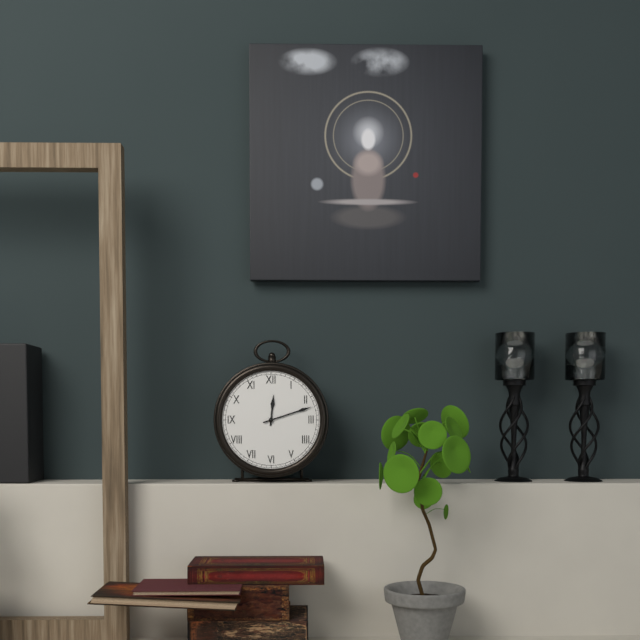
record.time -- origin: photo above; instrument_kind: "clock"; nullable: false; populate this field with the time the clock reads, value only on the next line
12:12
